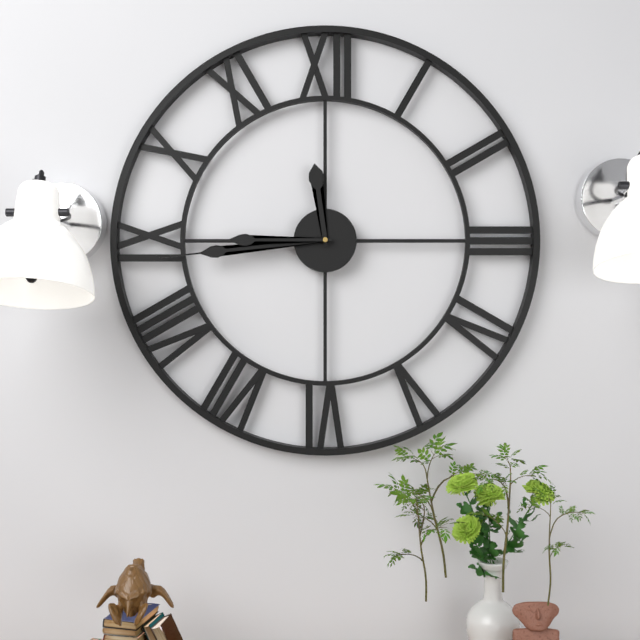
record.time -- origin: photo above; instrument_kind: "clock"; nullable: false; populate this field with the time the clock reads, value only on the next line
11:44:45
